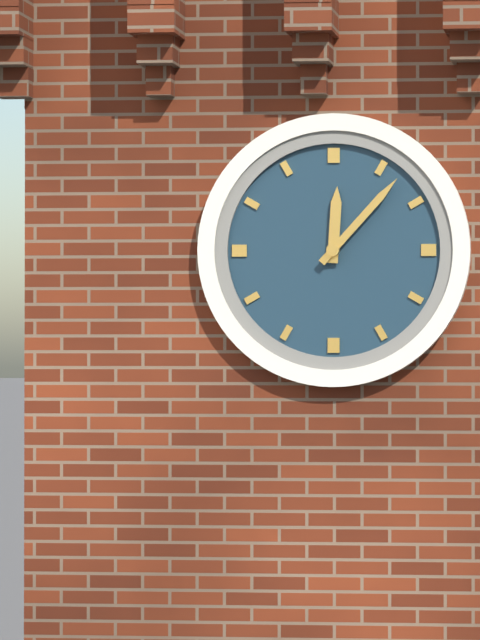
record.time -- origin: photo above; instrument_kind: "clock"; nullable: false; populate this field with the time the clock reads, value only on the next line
12:07
